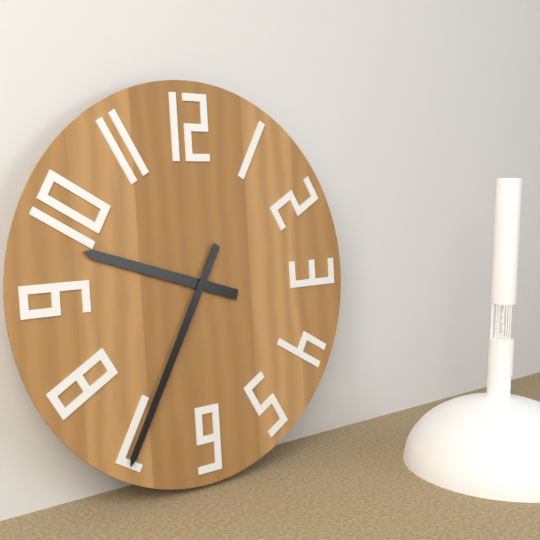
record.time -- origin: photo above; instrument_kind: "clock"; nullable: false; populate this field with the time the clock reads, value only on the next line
9:35
